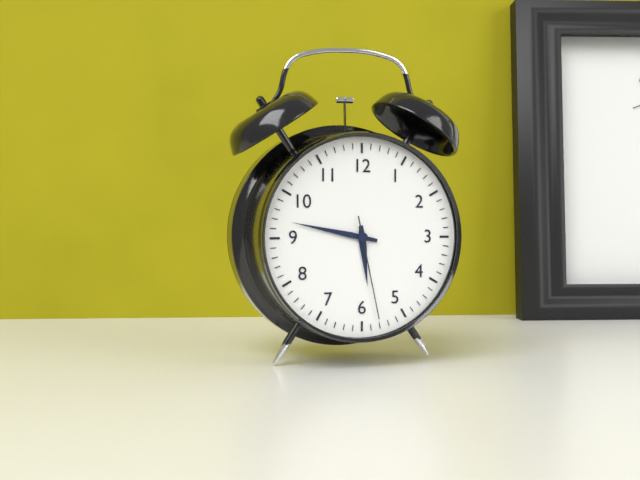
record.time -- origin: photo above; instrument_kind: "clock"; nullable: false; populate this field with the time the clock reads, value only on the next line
5:47:28
